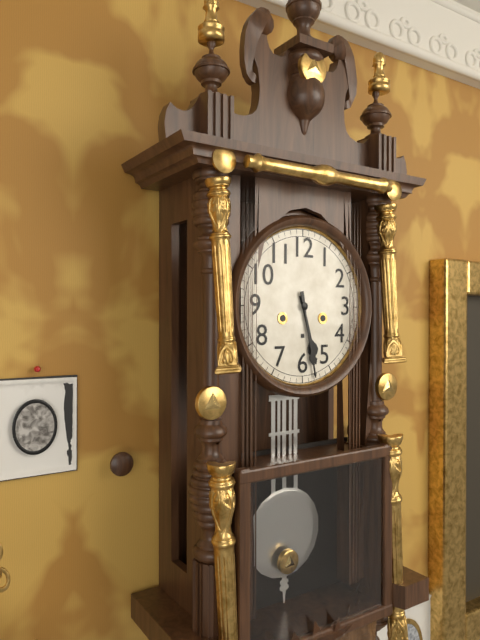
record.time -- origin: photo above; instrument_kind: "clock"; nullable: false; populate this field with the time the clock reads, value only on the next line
5:28
